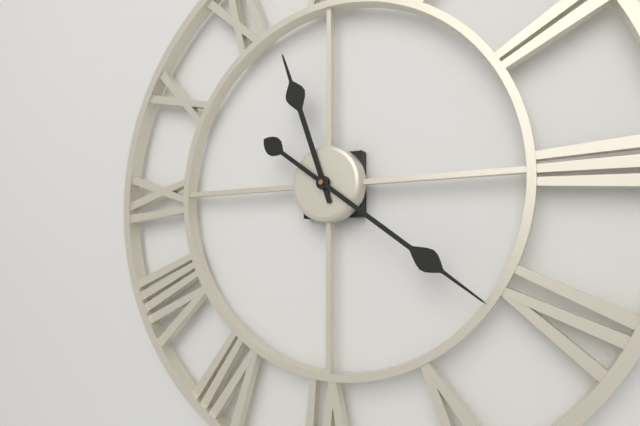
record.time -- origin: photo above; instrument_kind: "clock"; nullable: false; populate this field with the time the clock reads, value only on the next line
11:21
